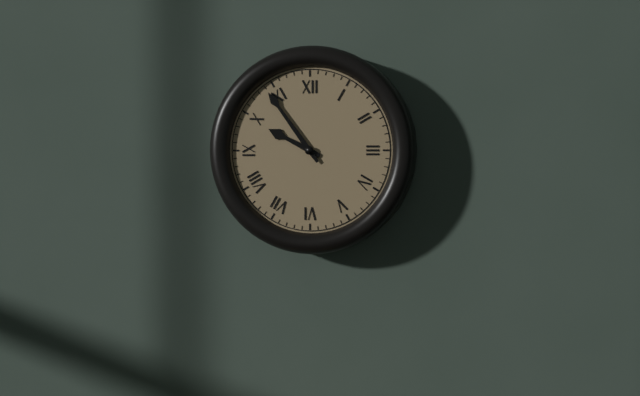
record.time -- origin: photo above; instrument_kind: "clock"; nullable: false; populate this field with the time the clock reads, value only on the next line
9:54
